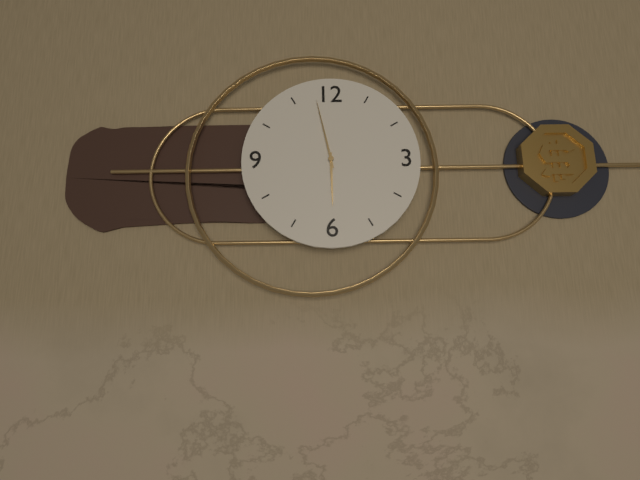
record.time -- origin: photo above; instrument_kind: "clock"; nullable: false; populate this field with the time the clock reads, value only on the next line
5:58
